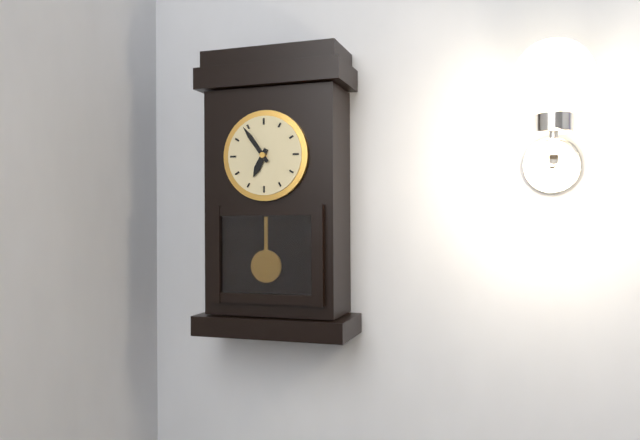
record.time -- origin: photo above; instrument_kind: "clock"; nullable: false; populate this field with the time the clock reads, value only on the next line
6:54
